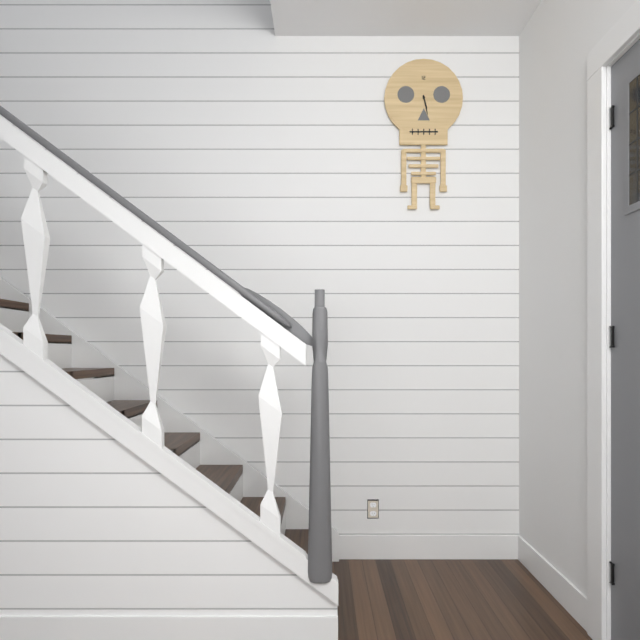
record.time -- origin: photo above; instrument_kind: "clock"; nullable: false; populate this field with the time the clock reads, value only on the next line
5:28
